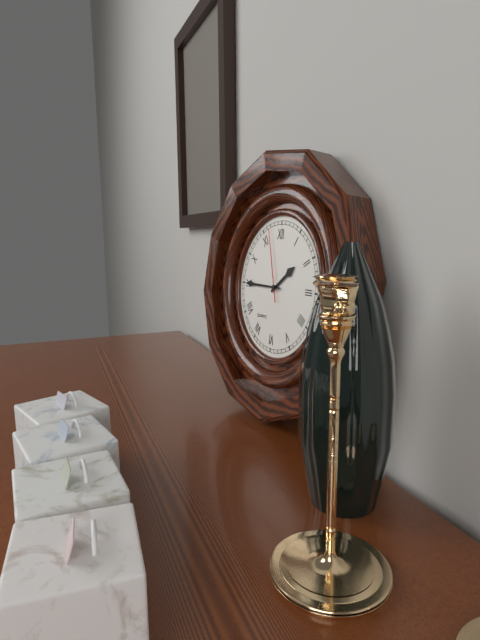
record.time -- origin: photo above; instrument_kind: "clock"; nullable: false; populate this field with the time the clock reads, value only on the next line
1:45:57
